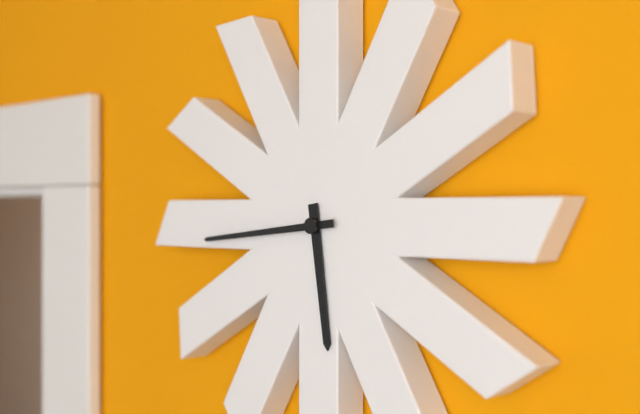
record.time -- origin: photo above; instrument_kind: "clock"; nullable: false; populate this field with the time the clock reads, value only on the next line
5:44
